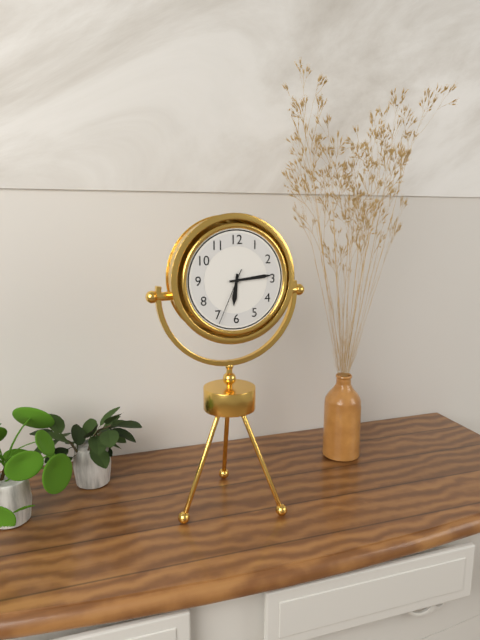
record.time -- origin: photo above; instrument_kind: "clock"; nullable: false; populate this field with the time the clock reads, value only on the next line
6:14:34
